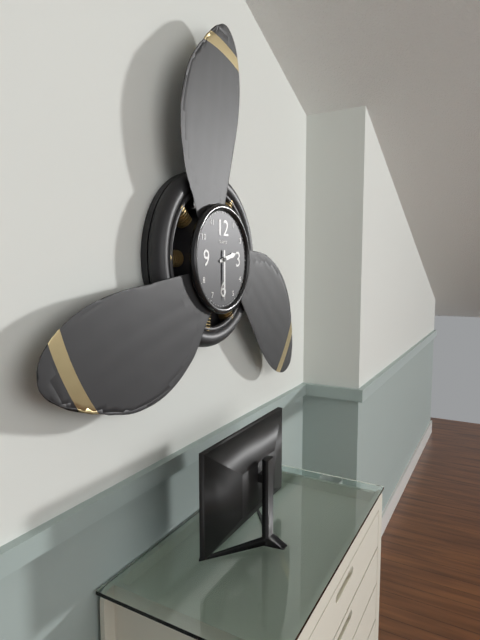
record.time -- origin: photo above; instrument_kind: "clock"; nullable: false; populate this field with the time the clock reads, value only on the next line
2:30
